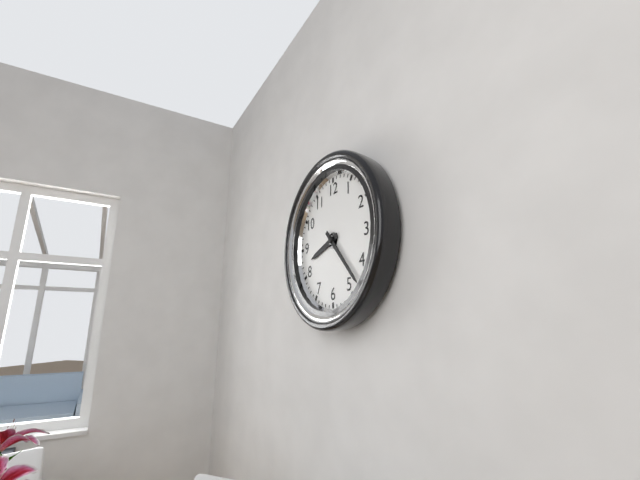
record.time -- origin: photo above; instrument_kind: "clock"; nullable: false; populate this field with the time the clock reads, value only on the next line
8:23
